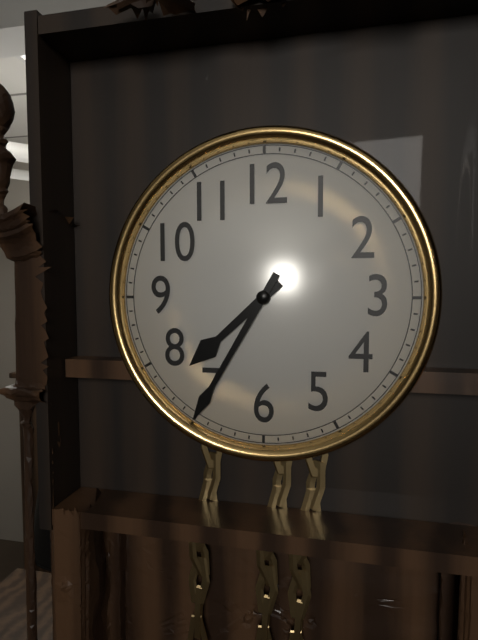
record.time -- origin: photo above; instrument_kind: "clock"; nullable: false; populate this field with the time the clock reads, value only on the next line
7:35
